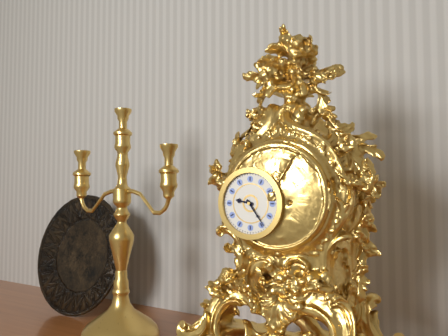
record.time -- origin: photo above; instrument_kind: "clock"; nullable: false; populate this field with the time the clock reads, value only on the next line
9:24
